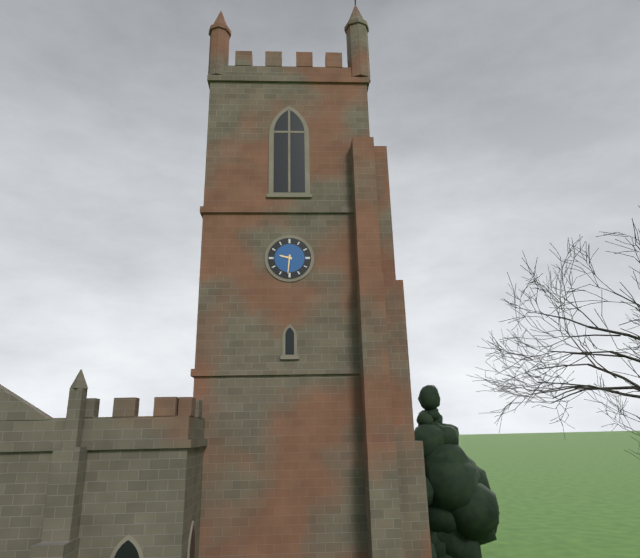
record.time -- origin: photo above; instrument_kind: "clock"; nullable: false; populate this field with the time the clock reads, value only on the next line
9:31
